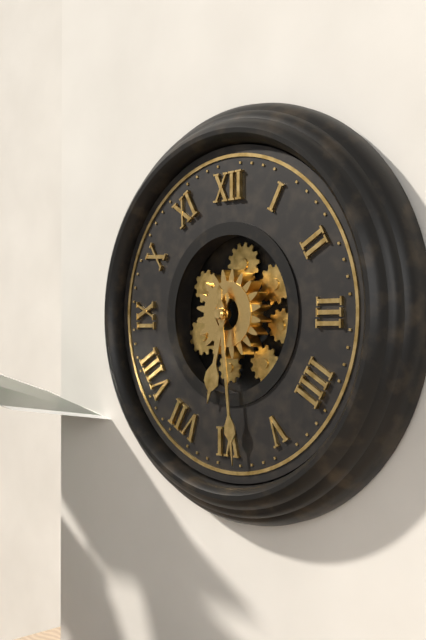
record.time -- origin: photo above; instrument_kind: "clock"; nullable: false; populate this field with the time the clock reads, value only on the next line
6:29
